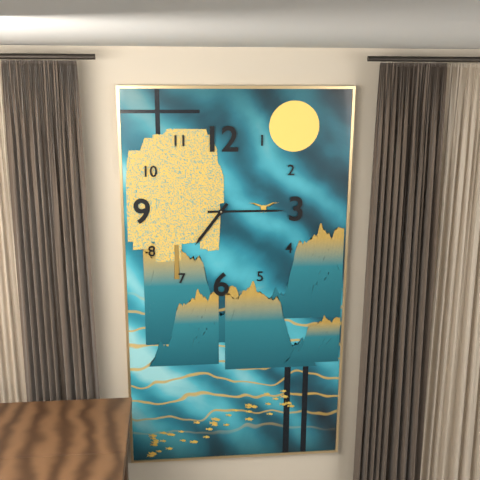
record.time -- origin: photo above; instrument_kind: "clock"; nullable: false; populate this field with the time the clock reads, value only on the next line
7:15
